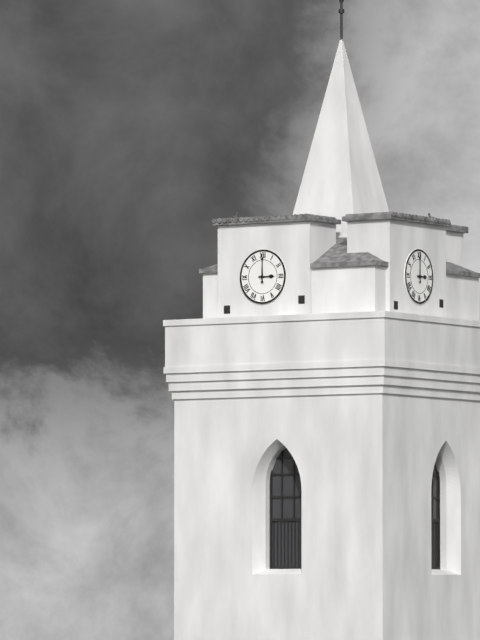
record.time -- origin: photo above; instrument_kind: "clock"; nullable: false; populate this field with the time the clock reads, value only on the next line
3:00
